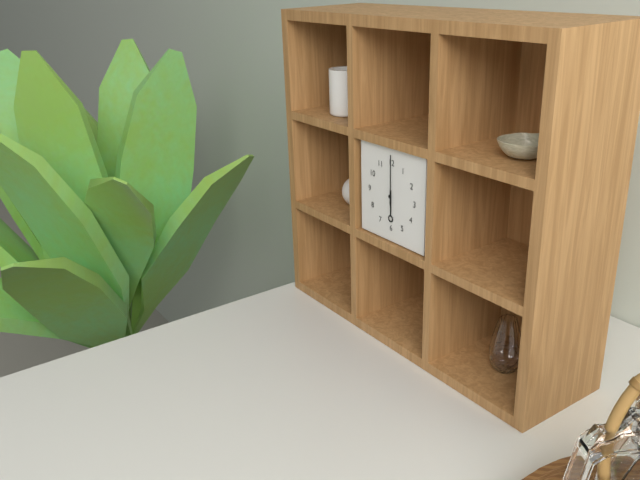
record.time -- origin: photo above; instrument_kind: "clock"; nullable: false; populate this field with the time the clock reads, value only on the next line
6:00
